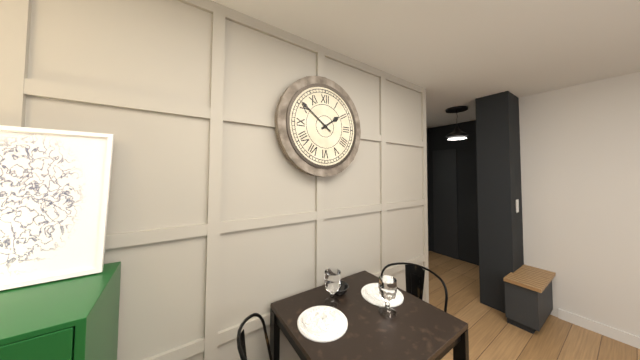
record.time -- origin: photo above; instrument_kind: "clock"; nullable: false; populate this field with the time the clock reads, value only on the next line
1:51
